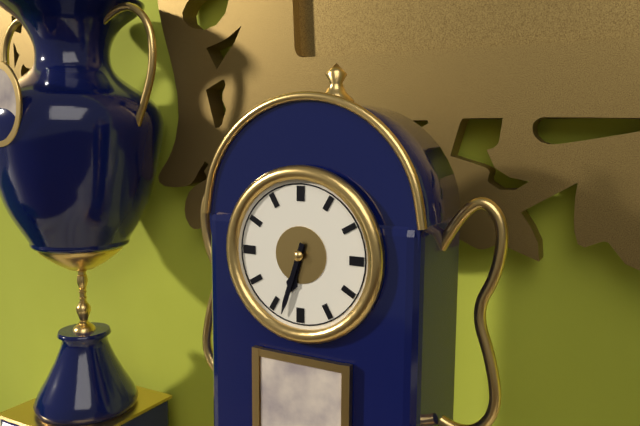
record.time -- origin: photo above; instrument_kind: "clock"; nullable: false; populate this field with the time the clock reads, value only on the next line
6:33
